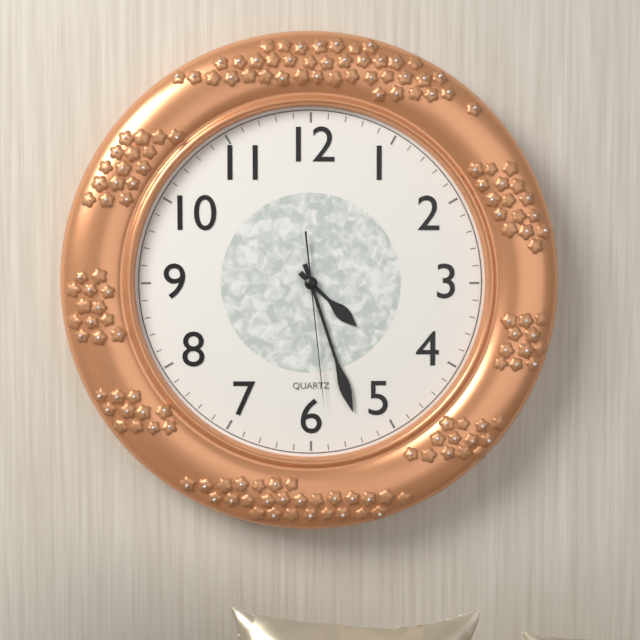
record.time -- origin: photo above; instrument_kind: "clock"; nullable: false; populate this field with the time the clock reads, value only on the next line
4:27:29
